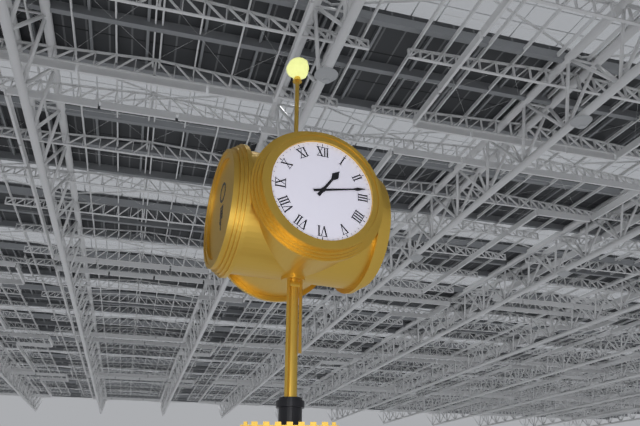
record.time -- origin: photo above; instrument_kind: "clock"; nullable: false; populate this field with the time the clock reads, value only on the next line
1:13
